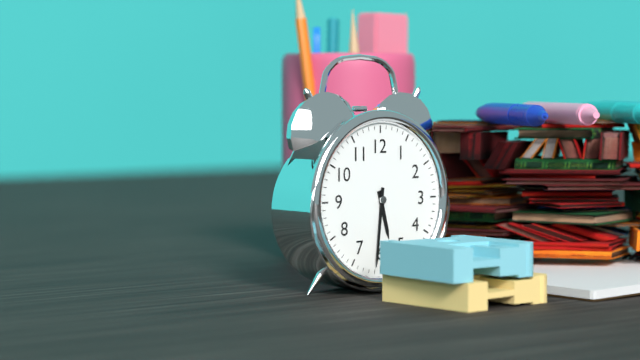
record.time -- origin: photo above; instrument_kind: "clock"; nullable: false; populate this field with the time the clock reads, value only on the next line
5:31
